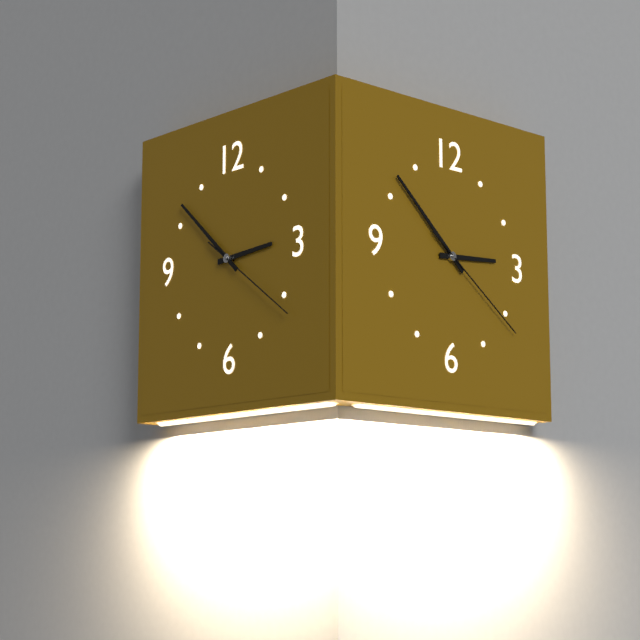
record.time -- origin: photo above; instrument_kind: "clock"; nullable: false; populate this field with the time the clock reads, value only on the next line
2:52:21
